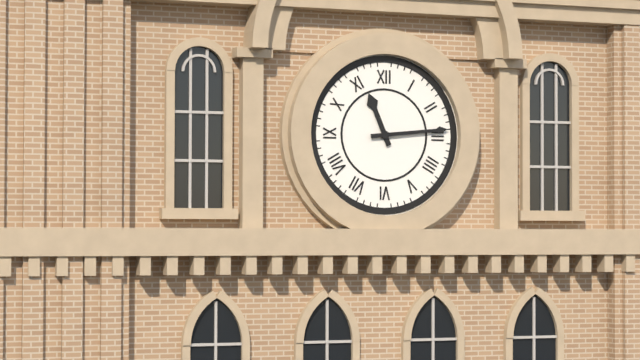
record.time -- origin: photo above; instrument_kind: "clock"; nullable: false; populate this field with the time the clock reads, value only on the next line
11:14
